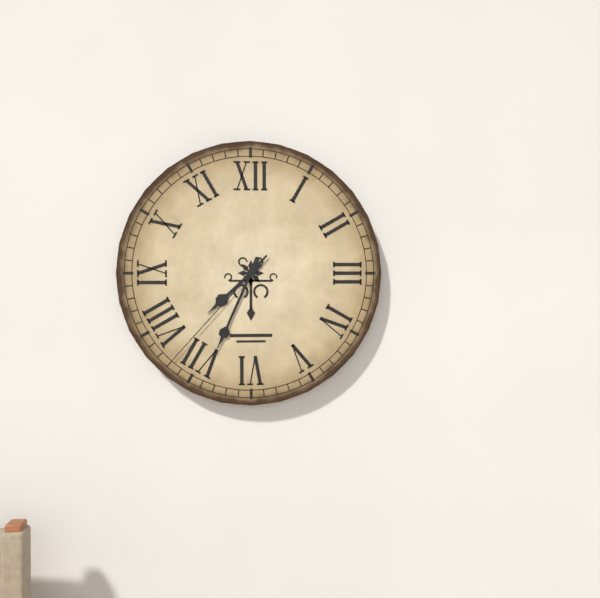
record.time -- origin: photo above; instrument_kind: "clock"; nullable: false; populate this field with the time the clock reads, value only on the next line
7:34:37
